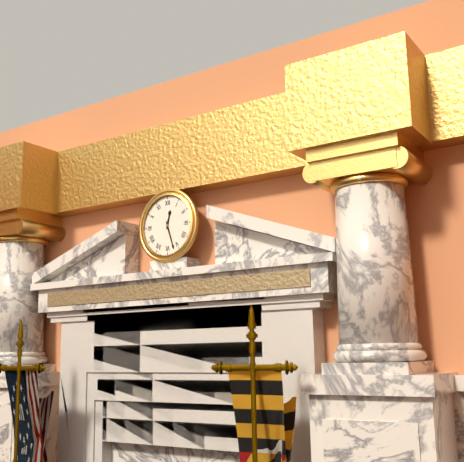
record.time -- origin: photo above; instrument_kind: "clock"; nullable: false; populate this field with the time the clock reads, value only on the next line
12:27
